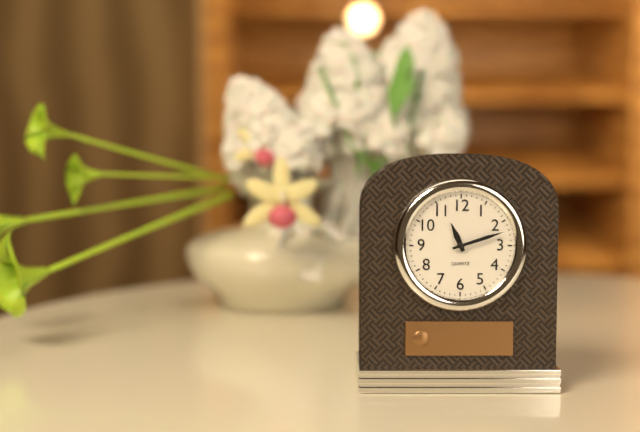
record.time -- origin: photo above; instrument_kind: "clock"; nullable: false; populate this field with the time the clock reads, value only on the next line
11:12
